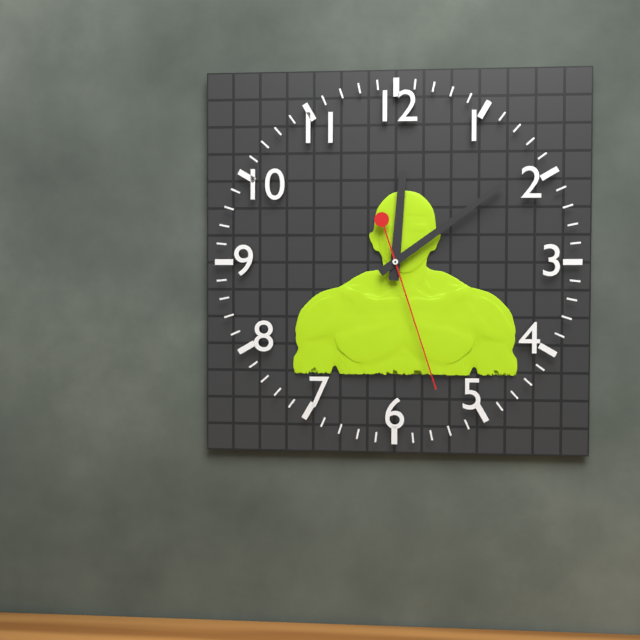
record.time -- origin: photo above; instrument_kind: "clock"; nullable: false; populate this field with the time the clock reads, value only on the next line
12:09:27
